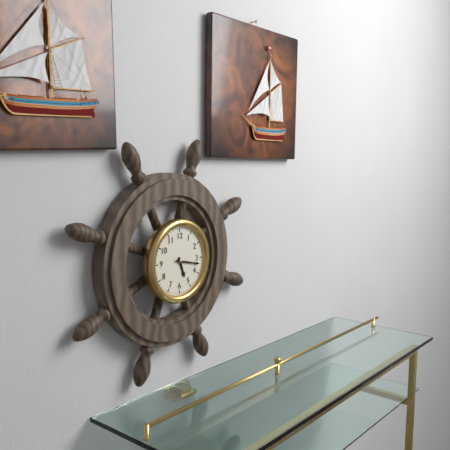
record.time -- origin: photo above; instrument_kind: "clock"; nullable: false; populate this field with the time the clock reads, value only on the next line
5:17
